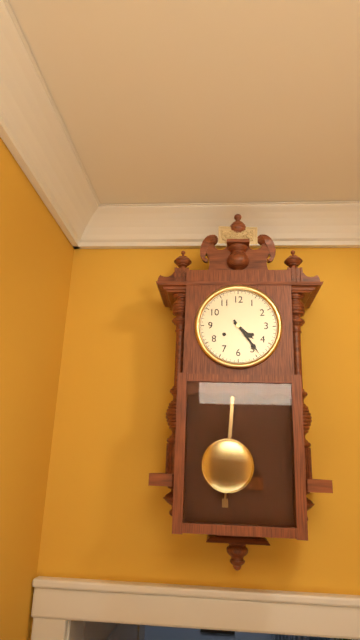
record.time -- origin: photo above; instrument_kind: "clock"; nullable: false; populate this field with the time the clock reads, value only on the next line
4:24
